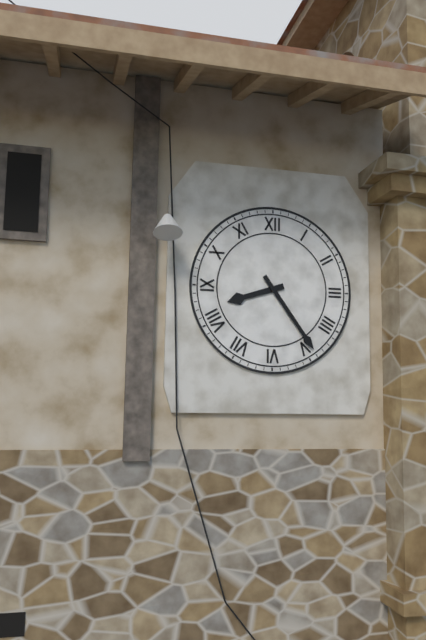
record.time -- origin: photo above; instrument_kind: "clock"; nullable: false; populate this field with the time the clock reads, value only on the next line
8:24
